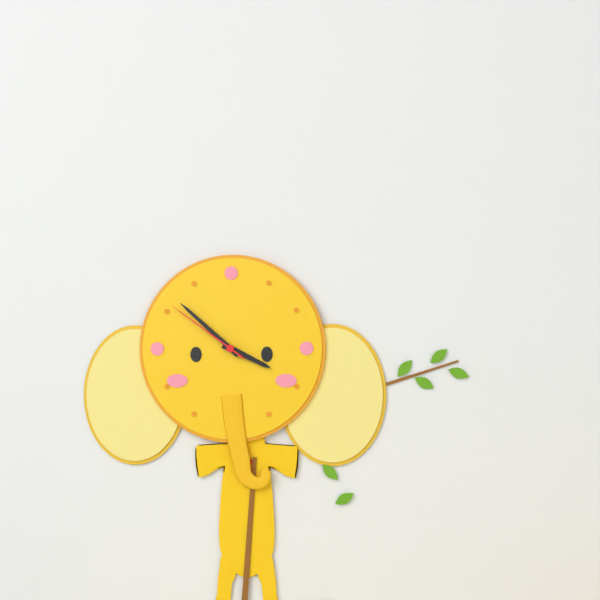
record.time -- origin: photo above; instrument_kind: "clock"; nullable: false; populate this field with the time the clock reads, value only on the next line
3:52:51
